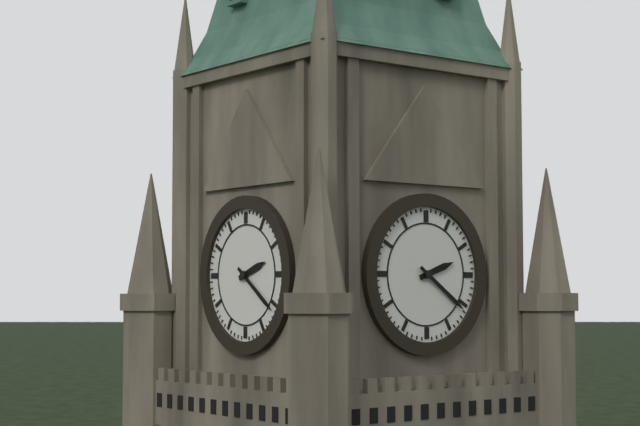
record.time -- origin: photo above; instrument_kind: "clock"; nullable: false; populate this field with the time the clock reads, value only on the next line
2:21
